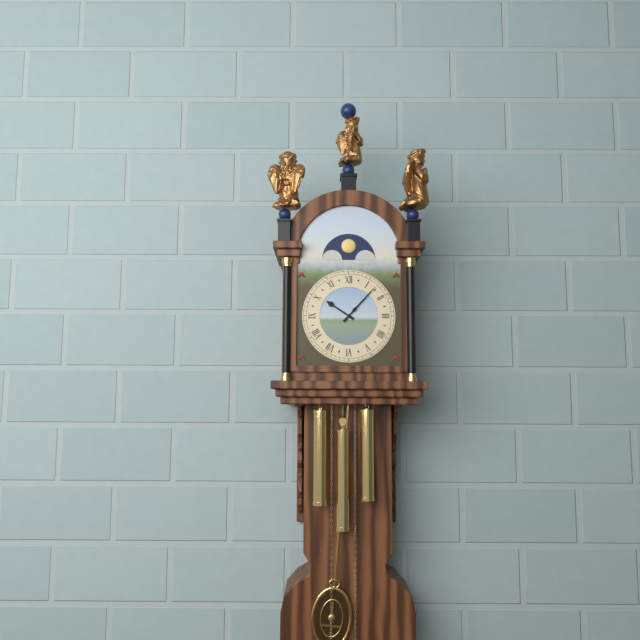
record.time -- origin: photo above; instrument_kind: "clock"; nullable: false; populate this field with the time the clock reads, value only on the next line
10:07
